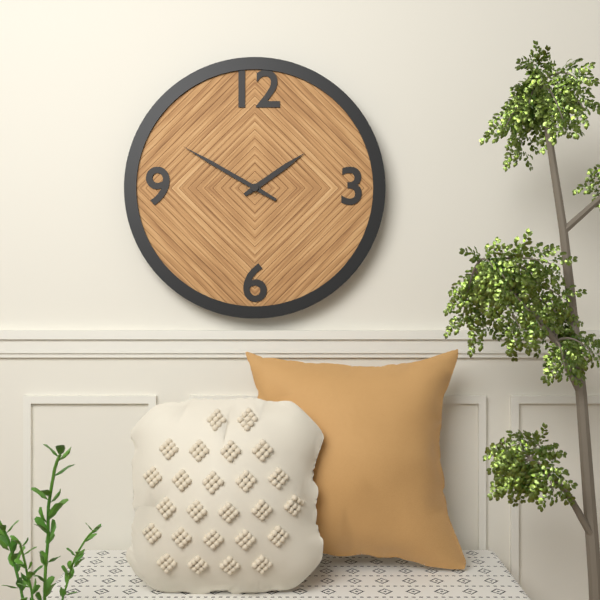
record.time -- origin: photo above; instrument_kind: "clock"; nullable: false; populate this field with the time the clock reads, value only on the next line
1:50
